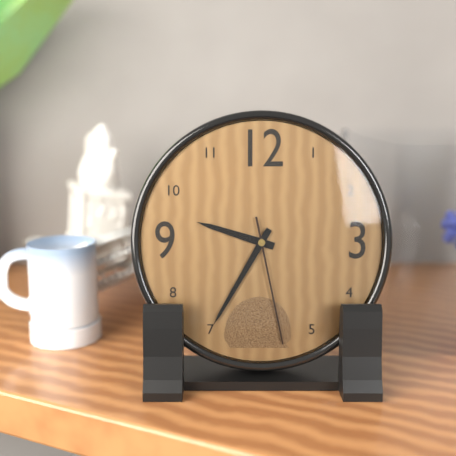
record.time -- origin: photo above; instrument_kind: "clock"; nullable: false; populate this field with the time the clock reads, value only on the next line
9:35:28
